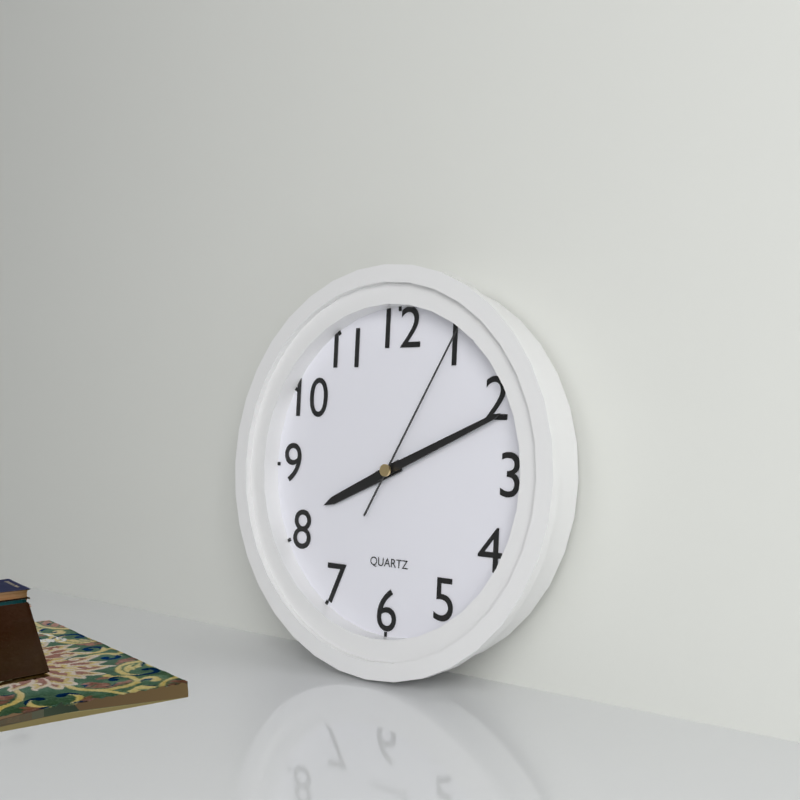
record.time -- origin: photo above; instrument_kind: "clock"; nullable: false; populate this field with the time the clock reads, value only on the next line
8:11:05
